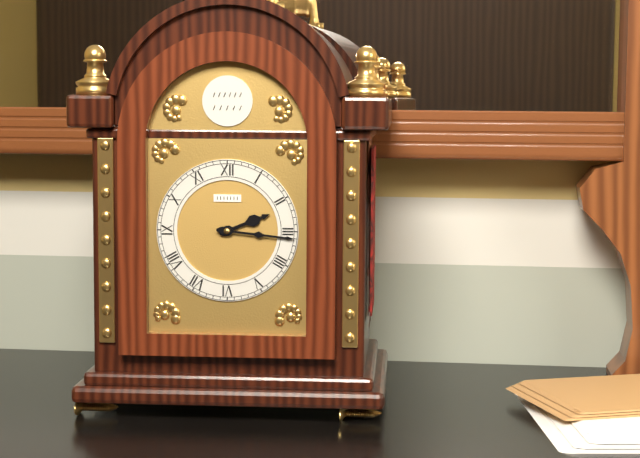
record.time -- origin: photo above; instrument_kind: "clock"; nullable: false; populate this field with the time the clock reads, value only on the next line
2:16
